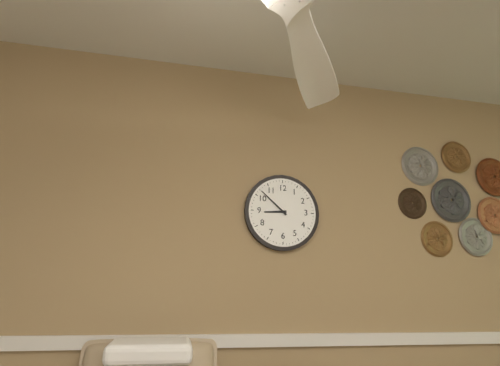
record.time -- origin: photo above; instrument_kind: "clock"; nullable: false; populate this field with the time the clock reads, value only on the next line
8:52
